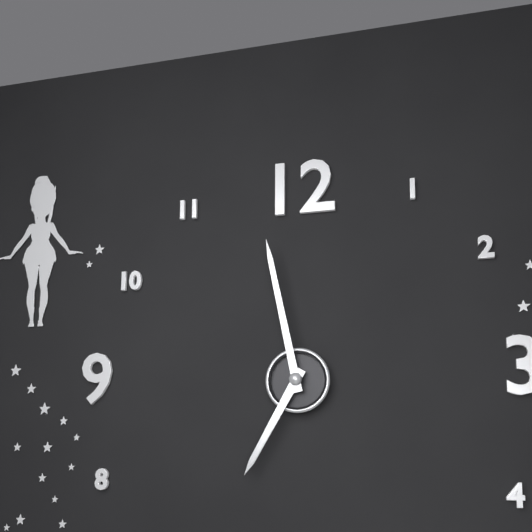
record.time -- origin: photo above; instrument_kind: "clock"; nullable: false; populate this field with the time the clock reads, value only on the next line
6:58
